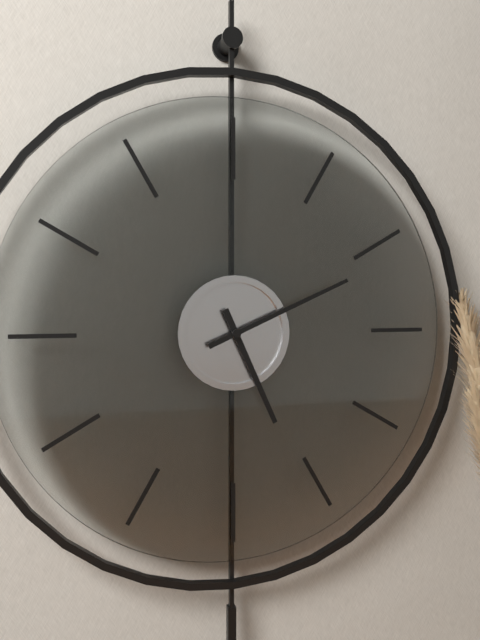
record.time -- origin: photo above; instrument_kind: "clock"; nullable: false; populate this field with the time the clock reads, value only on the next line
5:11
